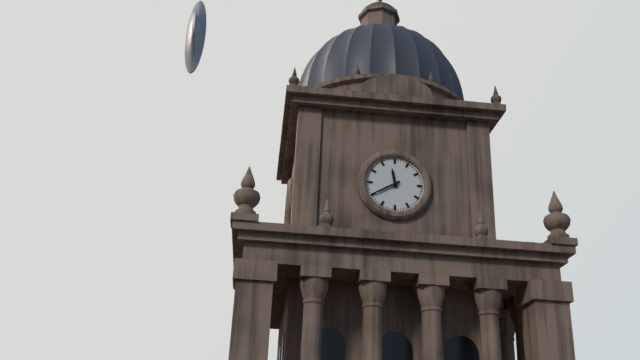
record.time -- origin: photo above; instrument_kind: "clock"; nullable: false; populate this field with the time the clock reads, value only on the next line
11:40
